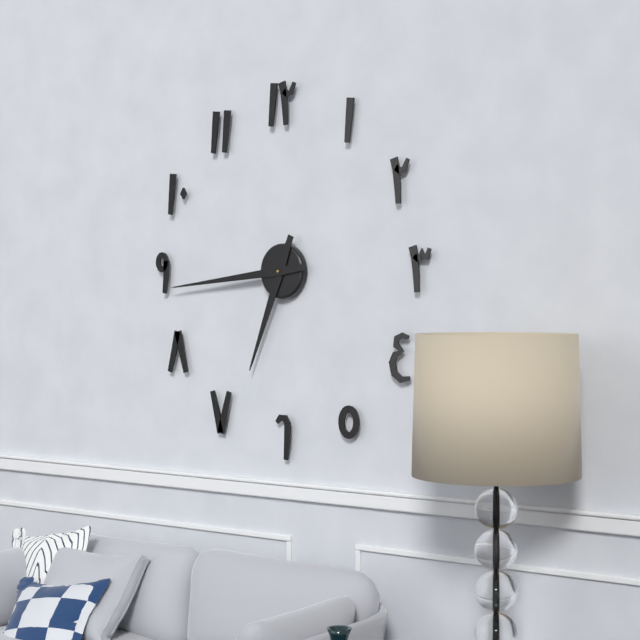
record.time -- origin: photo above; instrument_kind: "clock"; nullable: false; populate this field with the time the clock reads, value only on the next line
6:44
